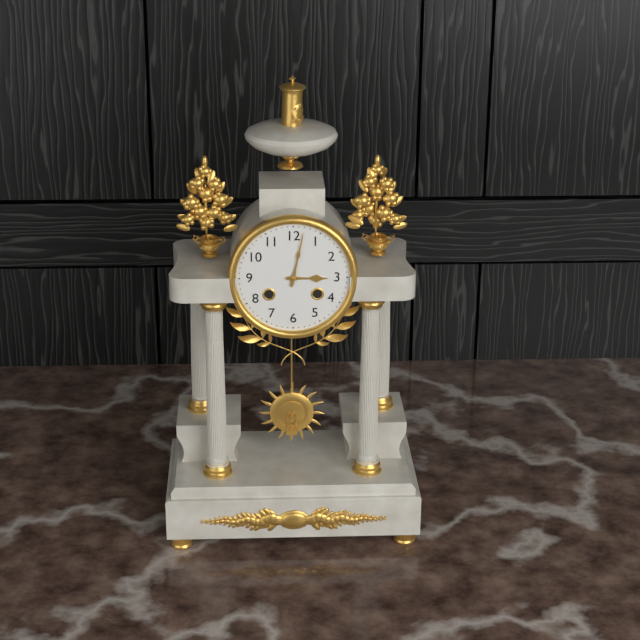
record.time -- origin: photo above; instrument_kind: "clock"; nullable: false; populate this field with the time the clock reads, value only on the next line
3:02
